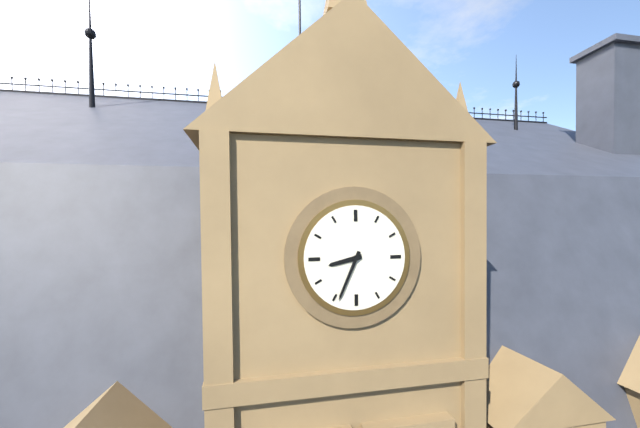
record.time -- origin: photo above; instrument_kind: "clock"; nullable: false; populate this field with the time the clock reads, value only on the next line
8:34
